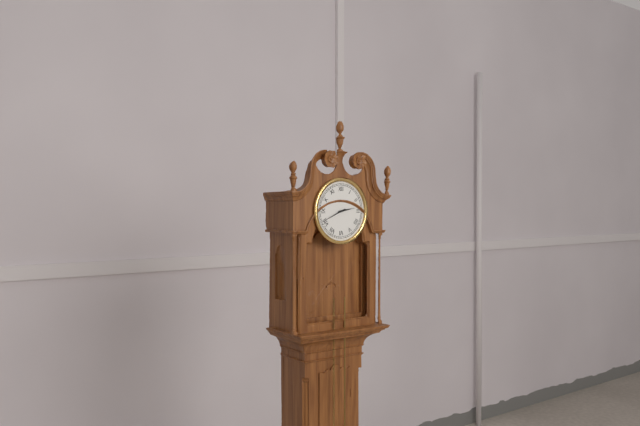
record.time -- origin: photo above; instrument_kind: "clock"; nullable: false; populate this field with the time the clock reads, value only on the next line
2:41
